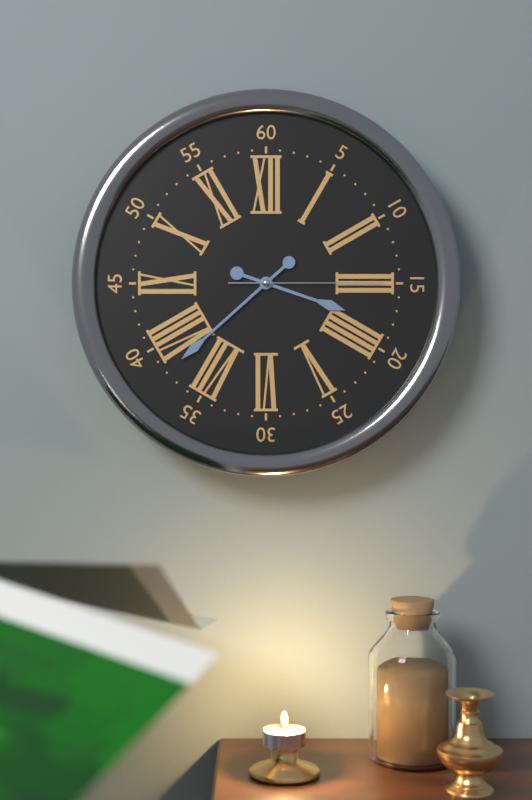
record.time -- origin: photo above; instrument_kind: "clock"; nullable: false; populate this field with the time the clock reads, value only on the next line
3:38:15
